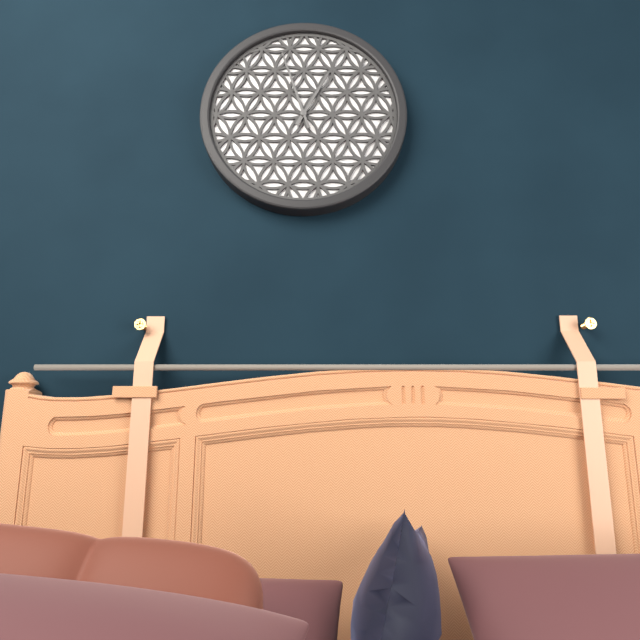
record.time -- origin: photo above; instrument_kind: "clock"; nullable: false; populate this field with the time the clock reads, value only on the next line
12:57
